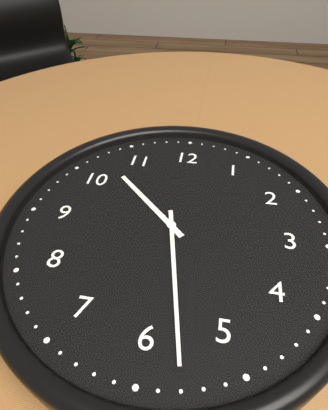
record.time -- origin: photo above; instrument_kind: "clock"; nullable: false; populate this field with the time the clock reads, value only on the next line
10:28
